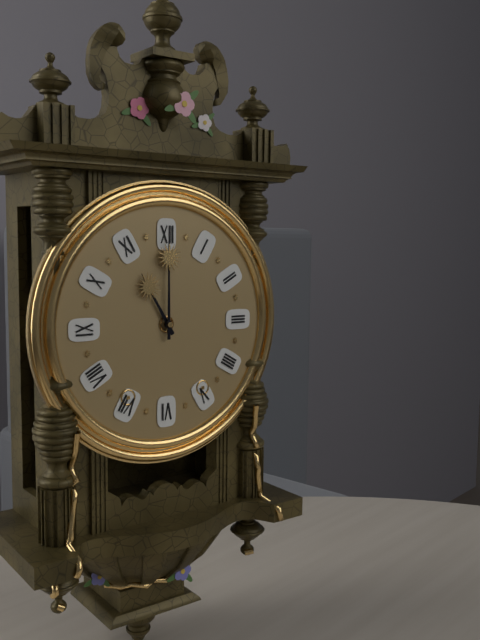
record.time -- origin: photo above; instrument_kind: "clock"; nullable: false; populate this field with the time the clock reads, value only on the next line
11:00
